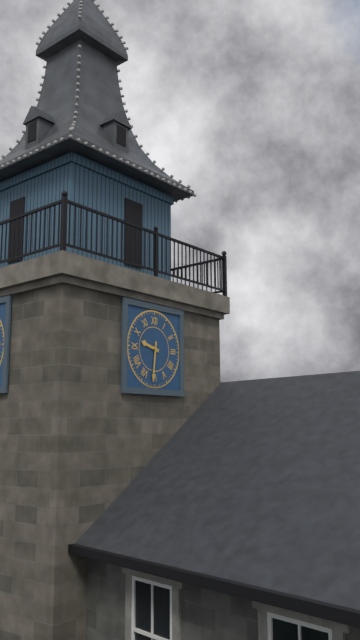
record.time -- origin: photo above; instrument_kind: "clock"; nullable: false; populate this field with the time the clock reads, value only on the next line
9:31
